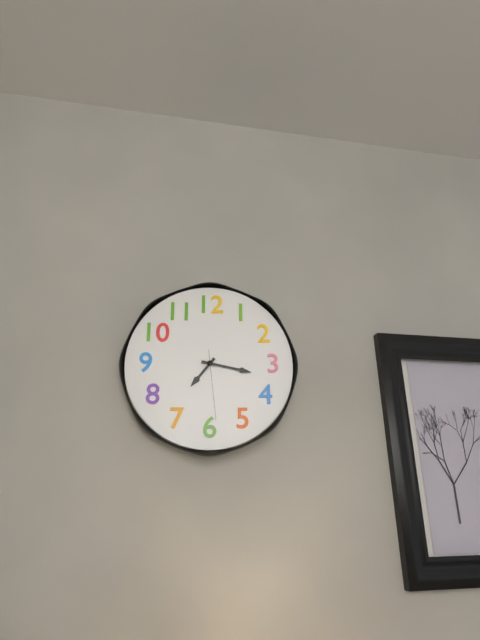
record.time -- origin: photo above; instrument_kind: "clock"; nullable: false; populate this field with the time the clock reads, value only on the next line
7:17:29
